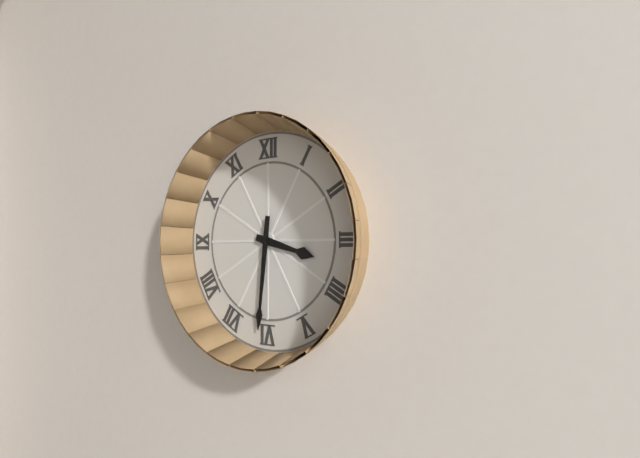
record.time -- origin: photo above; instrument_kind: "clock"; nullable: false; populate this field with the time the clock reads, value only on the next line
3:31
